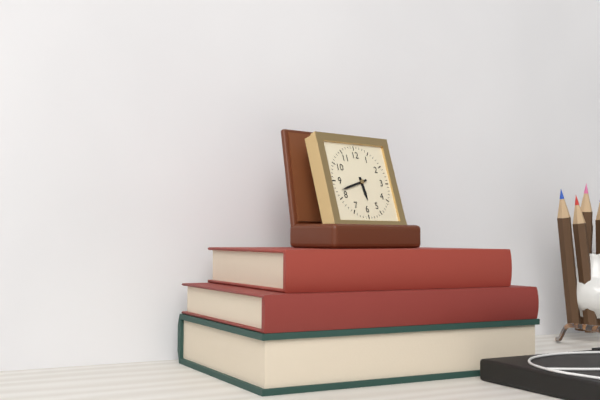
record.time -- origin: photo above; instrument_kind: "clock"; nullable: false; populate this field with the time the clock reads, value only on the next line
5:42
